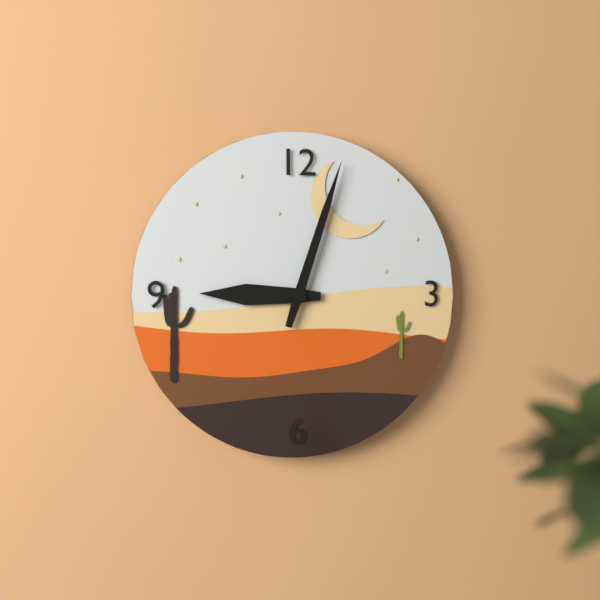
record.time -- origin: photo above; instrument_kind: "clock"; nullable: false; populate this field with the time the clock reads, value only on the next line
9:03
